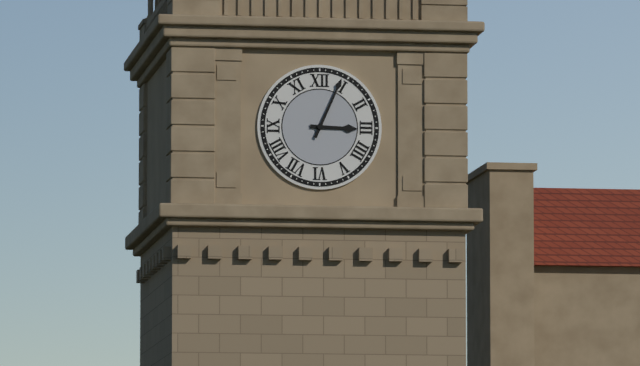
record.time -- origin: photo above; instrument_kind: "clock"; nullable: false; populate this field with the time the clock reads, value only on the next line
3:04
